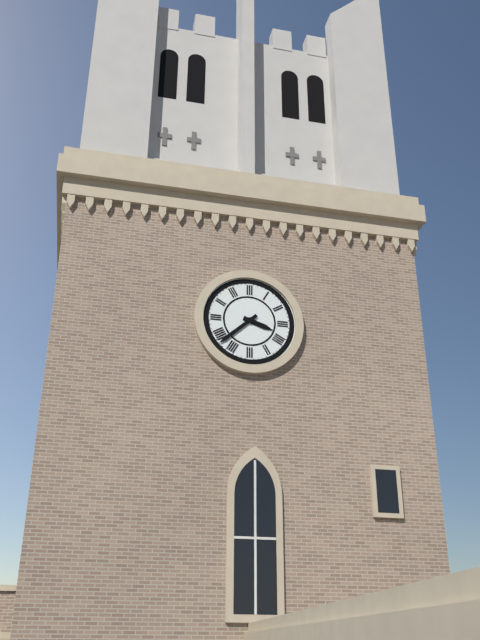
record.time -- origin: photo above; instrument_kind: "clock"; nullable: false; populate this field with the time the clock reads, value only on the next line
3:38
